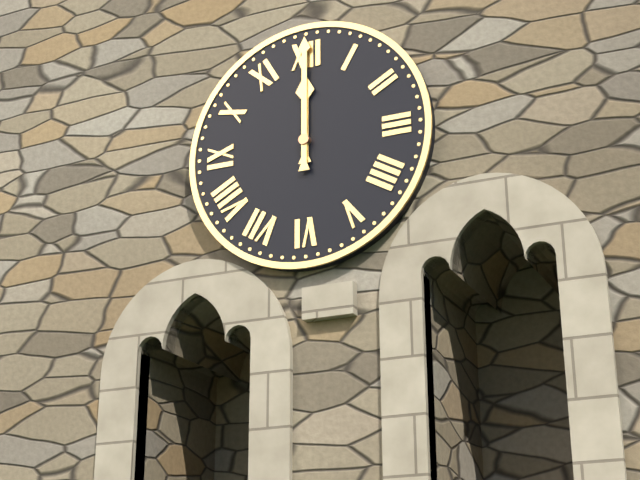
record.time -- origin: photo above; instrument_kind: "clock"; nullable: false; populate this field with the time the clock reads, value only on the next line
12:00
